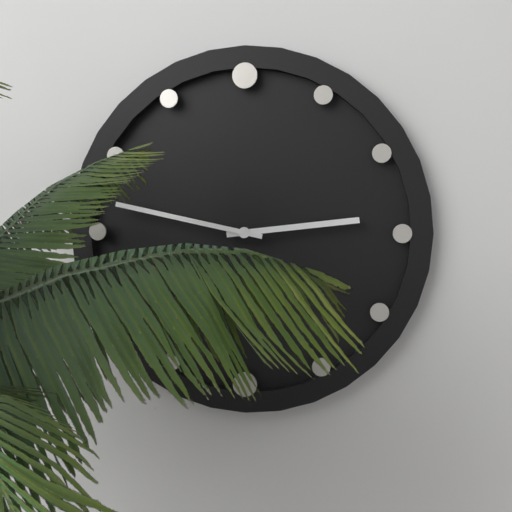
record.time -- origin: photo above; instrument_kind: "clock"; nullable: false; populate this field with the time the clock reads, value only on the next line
2:47
